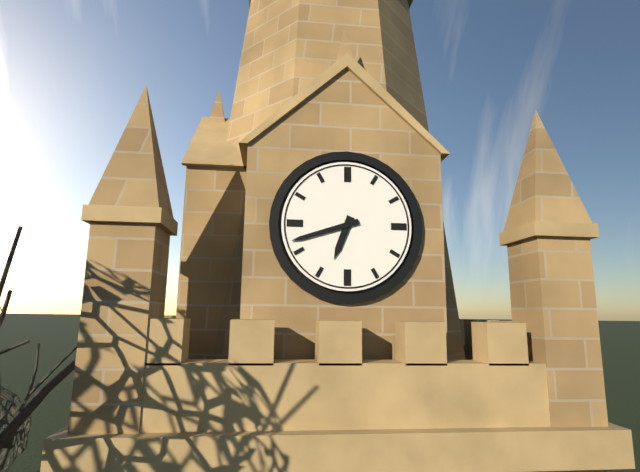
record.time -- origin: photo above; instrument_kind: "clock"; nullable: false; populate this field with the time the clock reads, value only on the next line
6:42
